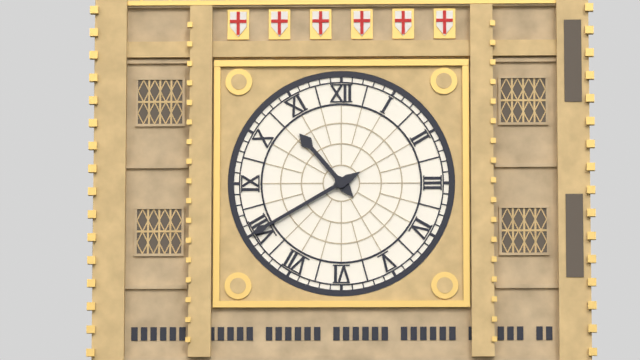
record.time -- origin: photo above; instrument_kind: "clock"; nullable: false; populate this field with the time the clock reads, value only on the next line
10:40
